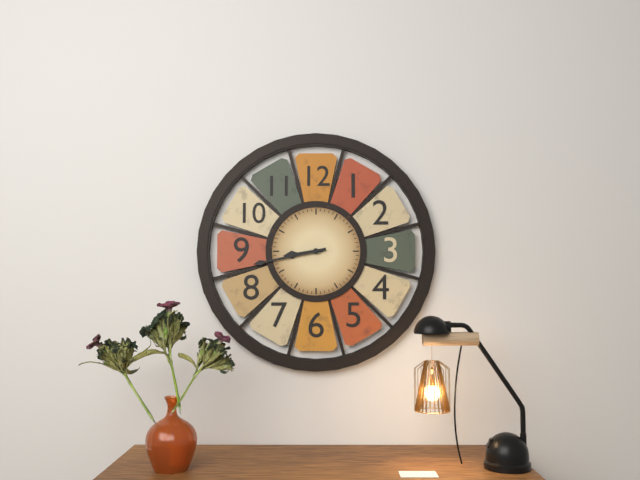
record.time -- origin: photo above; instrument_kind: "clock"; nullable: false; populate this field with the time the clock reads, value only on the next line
8:43
